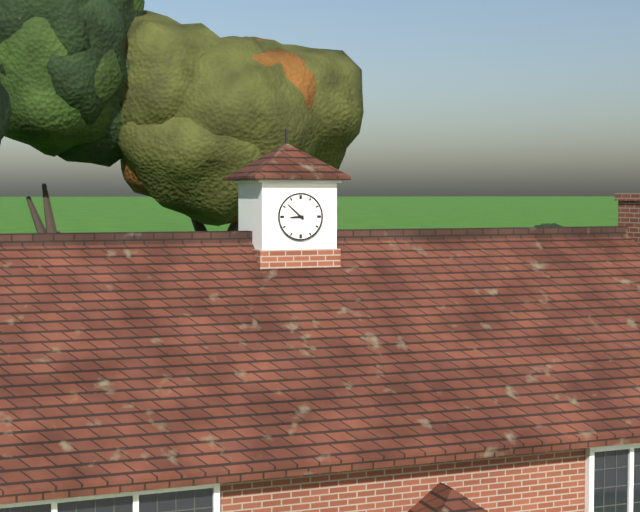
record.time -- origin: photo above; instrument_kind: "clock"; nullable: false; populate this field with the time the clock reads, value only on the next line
8:52
